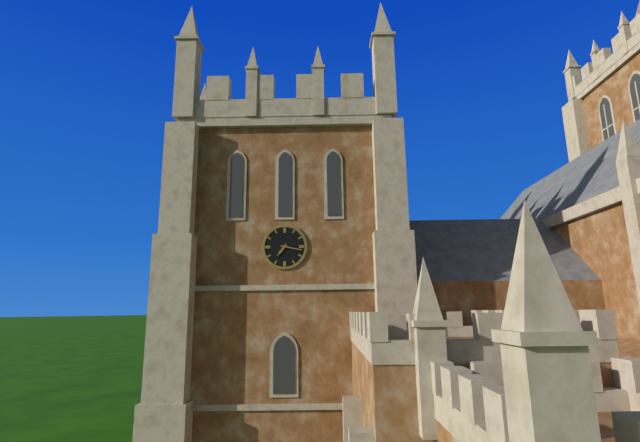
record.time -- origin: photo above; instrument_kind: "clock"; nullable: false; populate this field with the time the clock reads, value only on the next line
7:17
